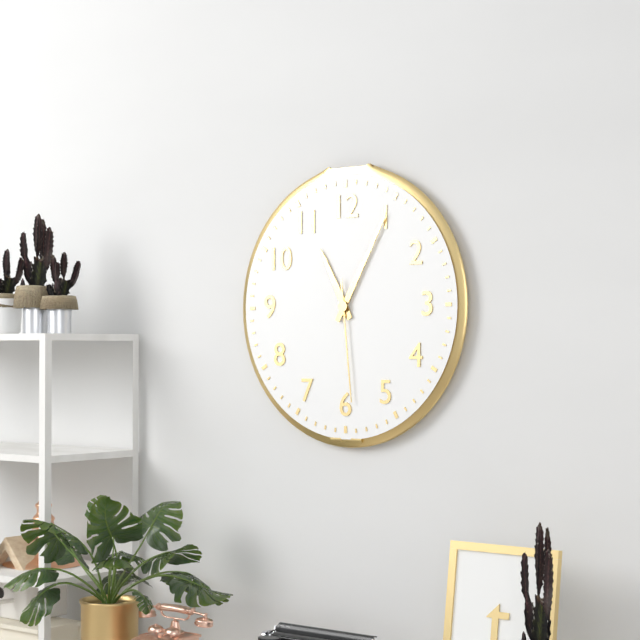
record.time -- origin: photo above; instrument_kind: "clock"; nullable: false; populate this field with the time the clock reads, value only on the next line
11:05:29
